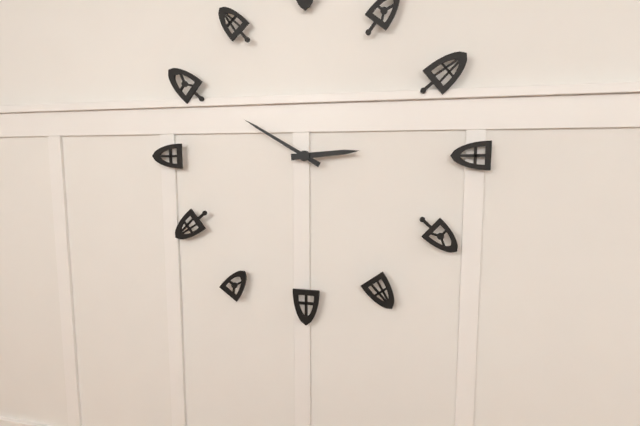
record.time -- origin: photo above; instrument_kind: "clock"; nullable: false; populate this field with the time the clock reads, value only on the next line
2:50
